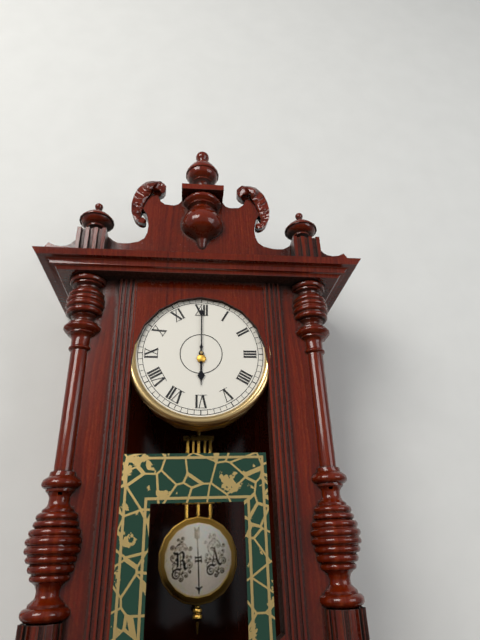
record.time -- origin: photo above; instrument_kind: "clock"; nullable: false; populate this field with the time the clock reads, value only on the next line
6:00
